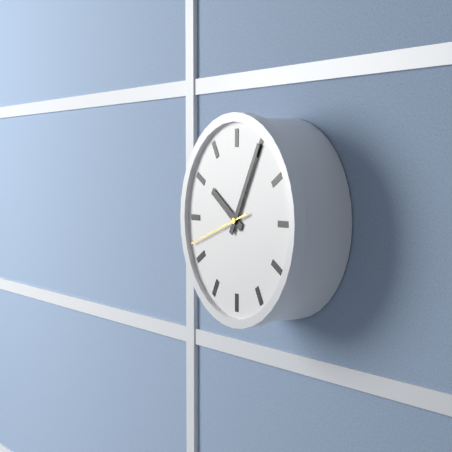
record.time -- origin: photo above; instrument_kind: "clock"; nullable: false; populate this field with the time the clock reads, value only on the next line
10:05:42
